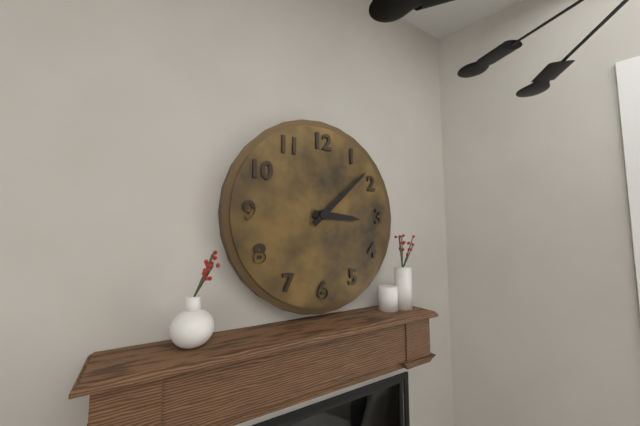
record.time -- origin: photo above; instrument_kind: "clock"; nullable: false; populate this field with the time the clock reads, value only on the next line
3:08
